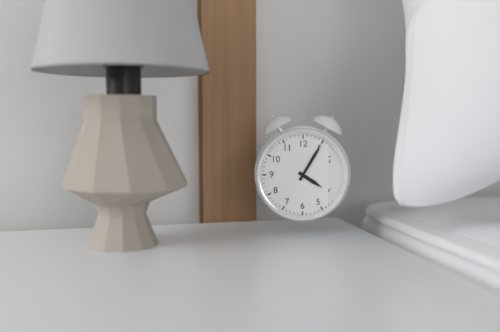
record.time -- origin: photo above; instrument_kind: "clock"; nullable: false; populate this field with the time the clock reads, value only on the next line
4:05
